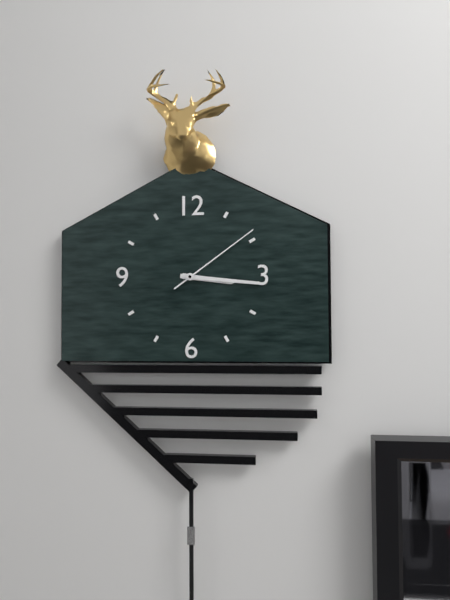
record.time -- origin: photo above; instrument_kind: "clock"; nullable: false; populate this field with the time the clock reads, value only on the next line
3:16:09
